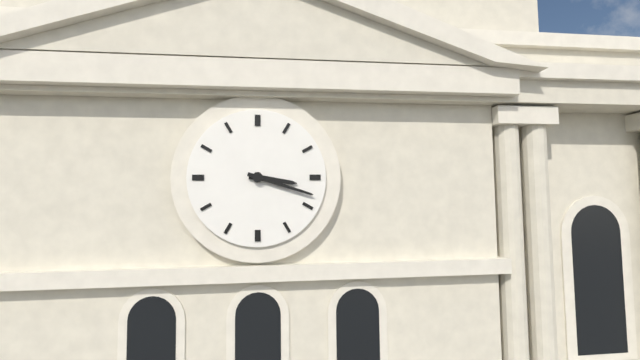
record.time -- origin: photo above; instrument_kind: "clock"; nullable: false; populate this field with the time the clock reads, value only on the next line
3:18
